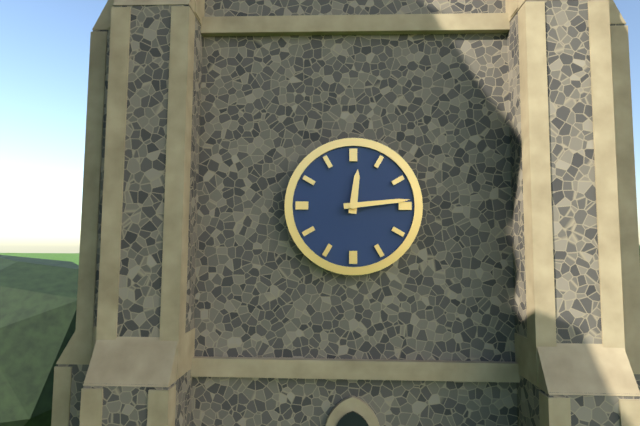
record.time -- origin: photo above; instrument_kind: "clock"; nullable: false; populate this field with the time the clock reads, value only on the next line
12:14
